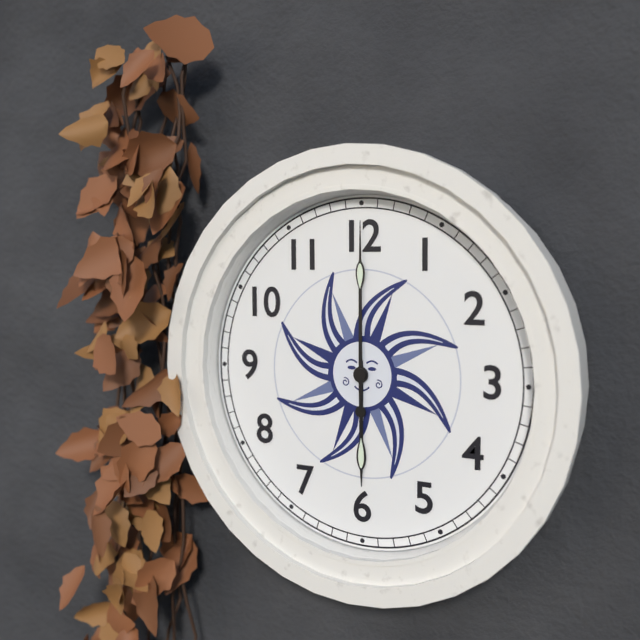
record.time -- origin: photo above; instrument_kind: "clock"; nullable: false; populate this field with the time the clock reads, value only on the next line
6:00
